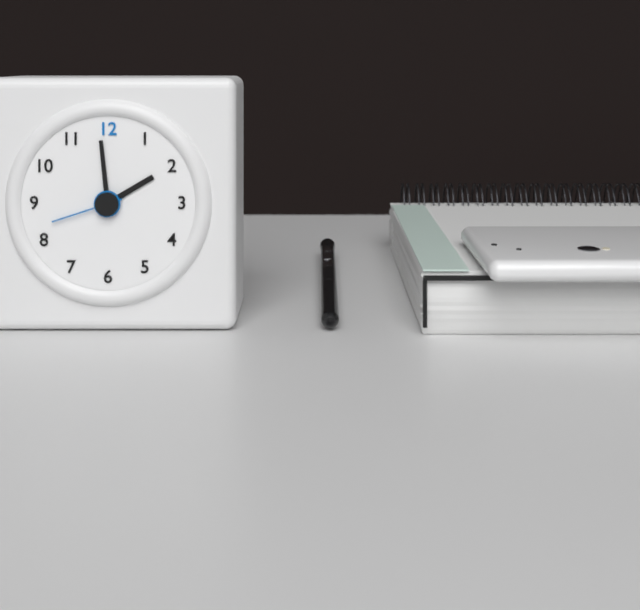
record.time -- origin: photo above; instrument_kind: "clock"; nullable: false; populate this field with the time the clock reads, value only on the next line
1:59:42
